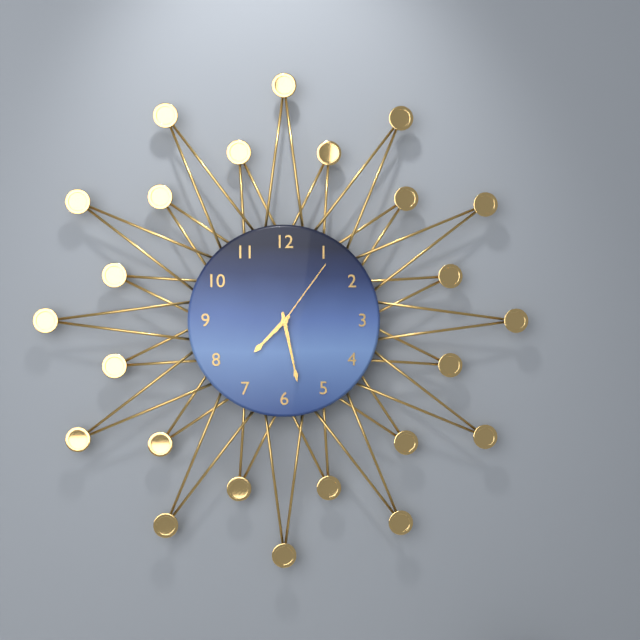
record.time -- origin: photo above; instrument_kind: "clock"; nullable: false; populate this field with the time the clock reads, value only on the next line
7:28:06
